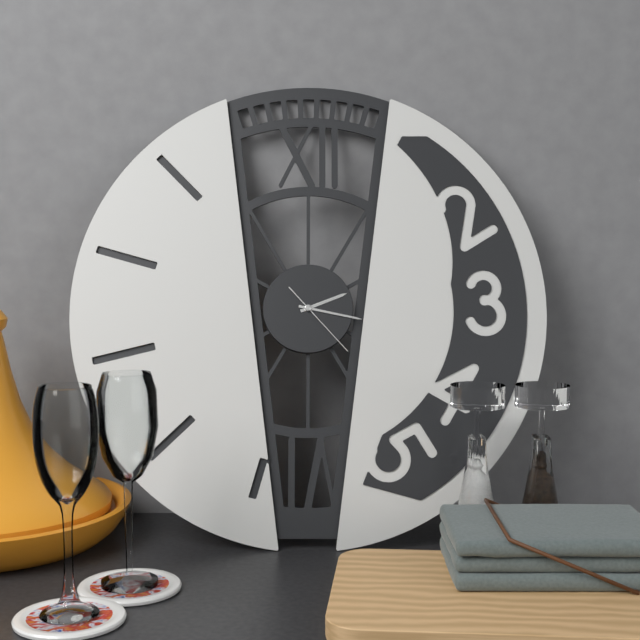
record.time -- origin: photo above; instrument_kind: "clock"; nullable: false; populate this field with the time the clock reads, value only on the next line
2:17:23
